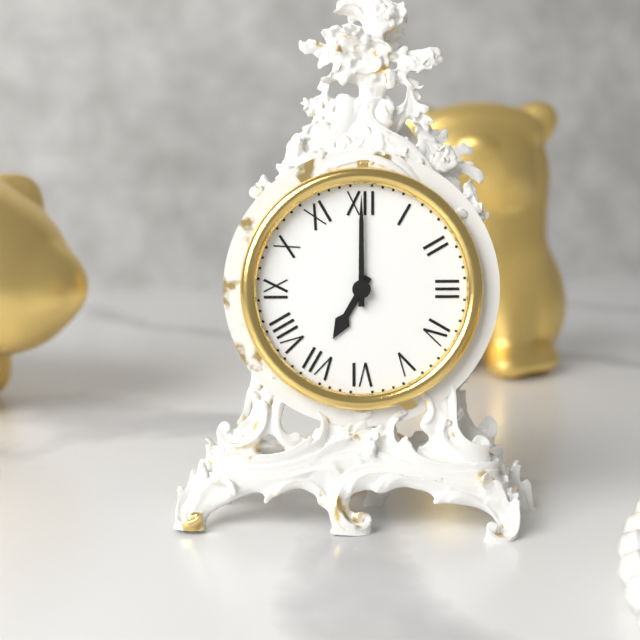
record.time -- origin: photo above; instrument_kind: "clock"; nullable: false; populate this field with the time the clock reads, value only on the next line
7:00
